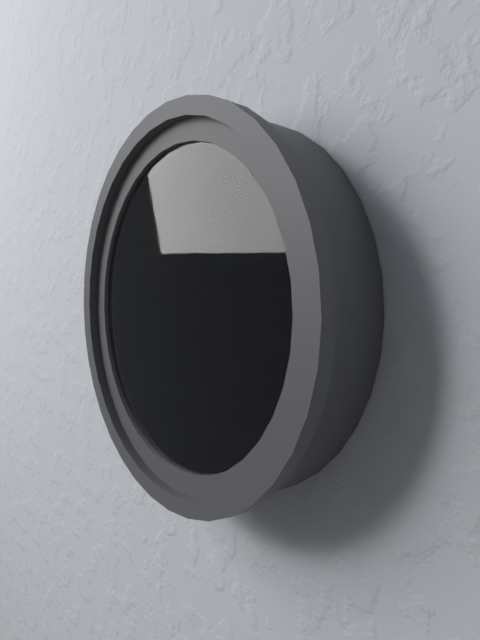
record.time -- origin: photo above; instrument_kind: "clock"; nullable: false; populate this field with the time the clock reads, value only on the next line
1:54:10
